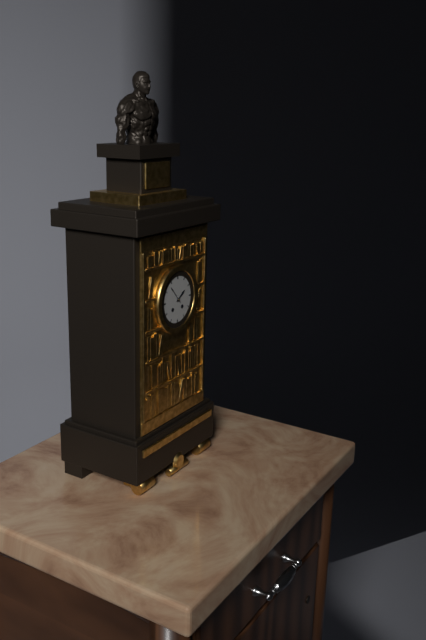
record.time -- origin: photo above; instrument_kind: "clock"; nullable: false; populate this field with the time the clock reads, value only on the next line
1:53
